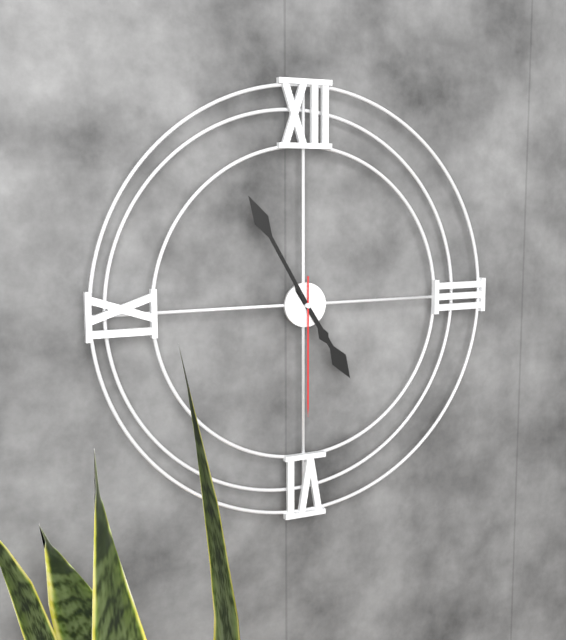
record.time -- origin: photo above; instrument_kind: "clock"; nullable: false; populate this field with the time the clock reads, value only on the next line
4:55:30
